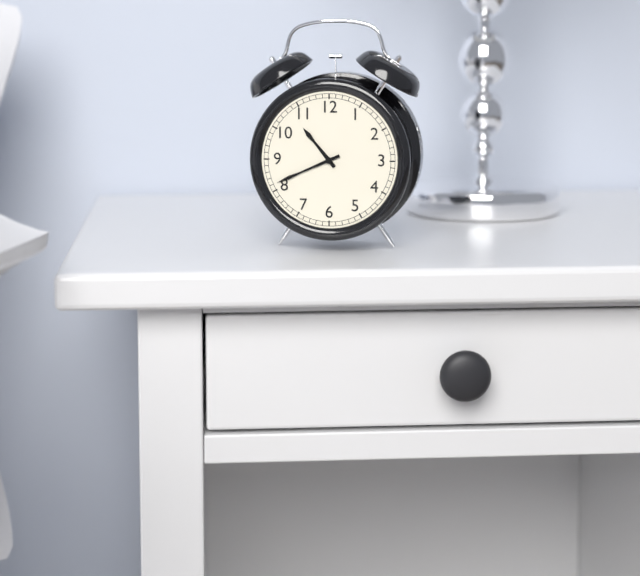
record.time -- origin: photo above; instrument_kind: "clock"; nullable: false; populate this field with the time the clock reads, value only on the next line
10:41
